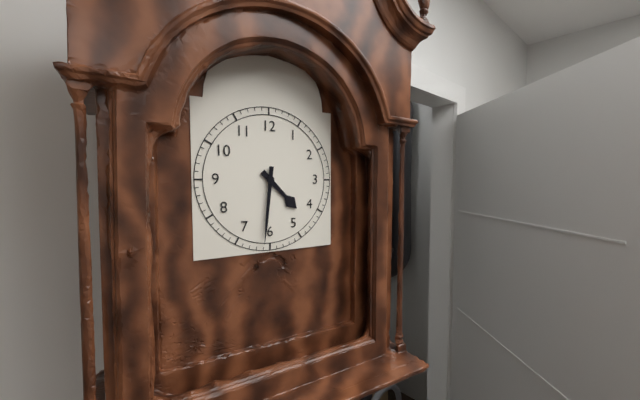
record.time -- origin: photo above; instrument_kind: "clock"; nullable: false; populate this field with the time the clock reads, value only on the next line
4:31
